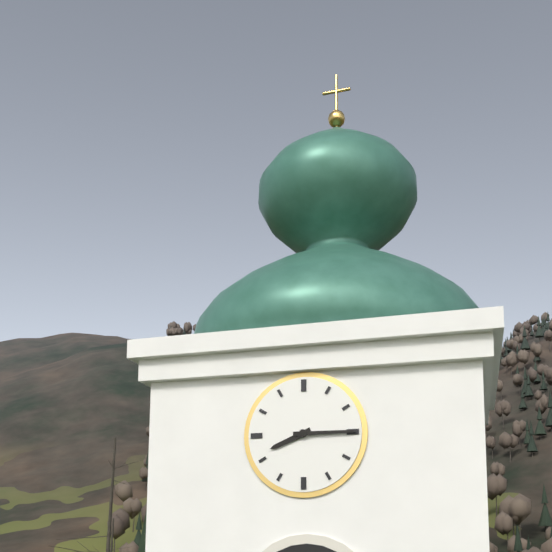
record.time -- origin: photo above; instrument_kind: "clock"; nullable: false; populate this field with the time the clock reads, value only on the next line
8:15
